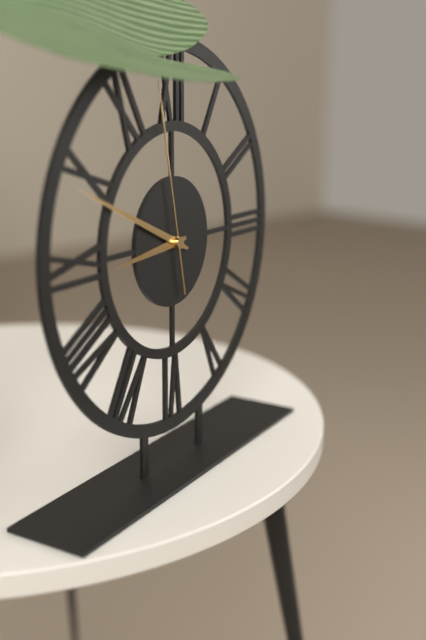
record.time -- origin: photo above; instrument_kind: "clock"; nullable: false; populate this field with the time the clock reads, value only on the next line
8:49:58
